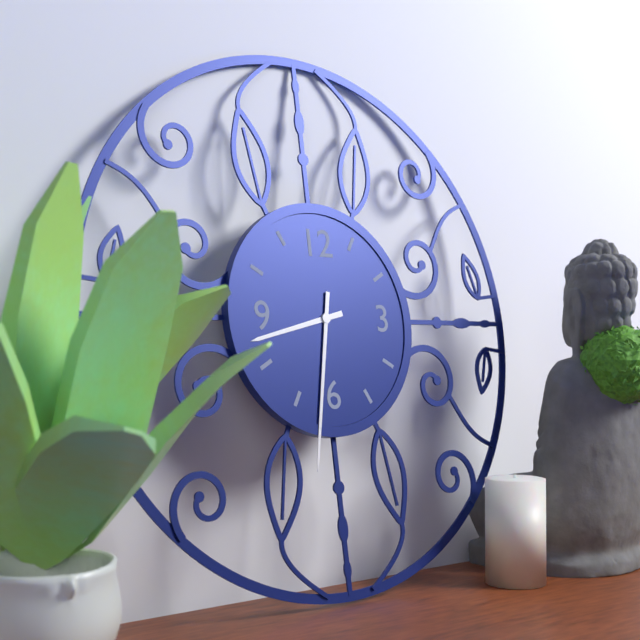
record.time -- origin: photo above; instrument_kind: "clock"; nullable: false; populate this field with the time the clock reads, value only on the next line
8:32
